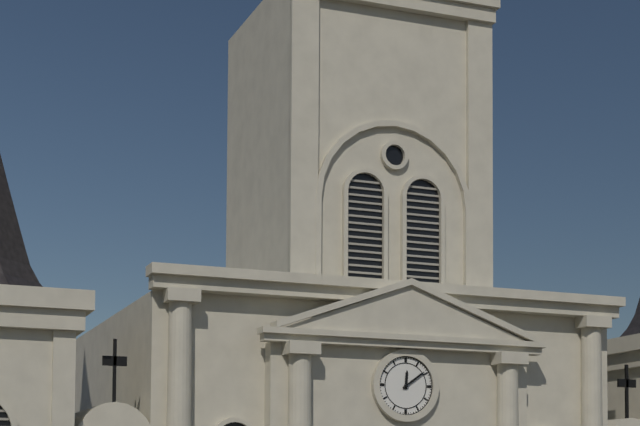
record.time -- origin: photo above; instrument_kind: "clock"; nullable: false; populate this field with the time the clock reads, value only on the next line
12:09
